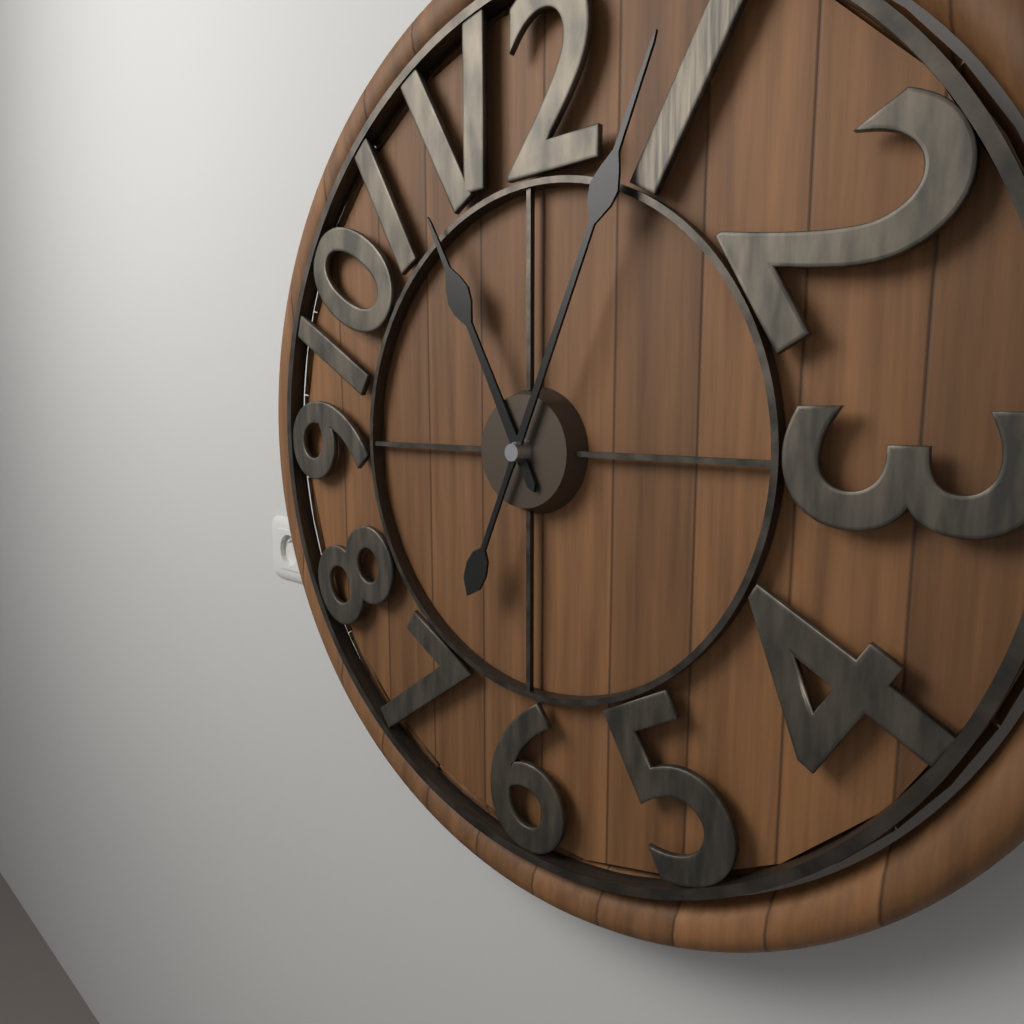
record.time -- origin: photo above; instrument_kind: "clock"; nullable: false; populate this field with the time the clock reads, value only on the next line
11:04
